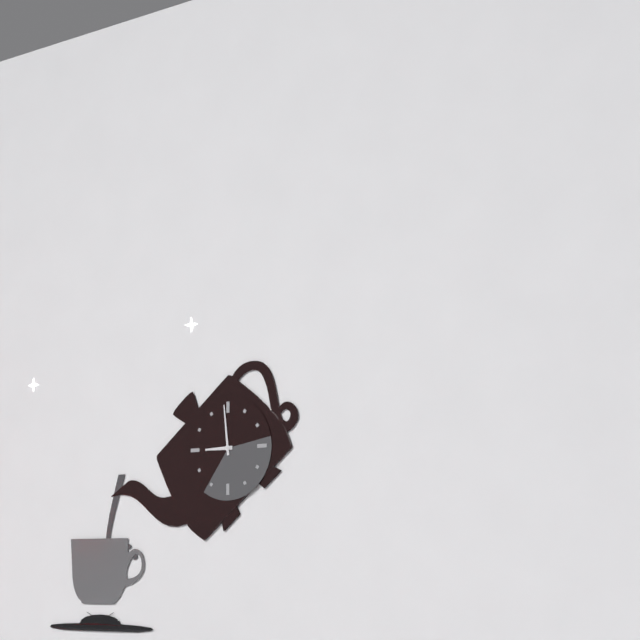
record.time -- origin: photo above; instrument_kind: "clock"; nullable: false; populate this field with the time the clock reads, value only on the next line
8:59
